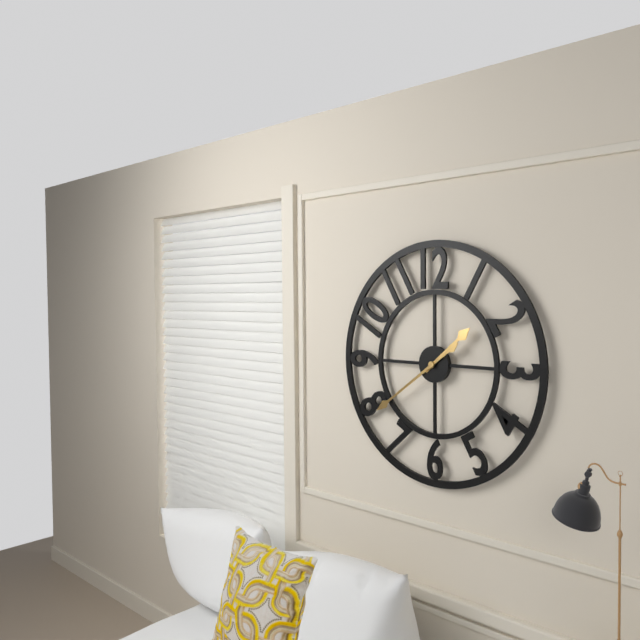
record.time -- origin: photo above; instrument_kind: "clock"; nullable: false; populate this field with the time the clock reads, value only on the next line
1:39
